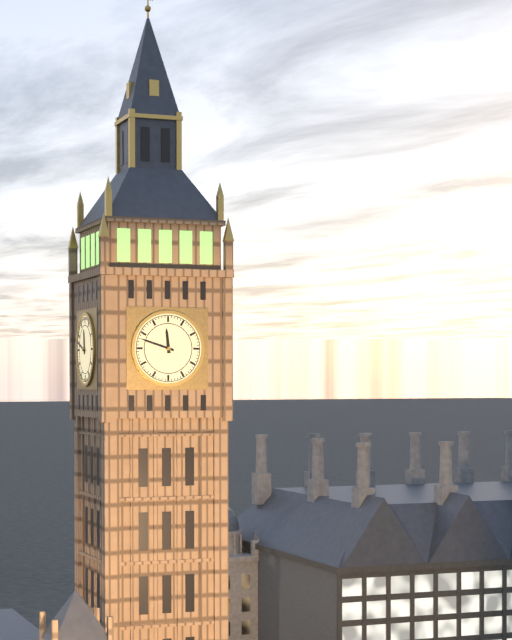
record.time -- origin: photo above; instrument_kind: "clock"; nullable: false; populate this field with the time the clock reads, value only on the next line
11:48
